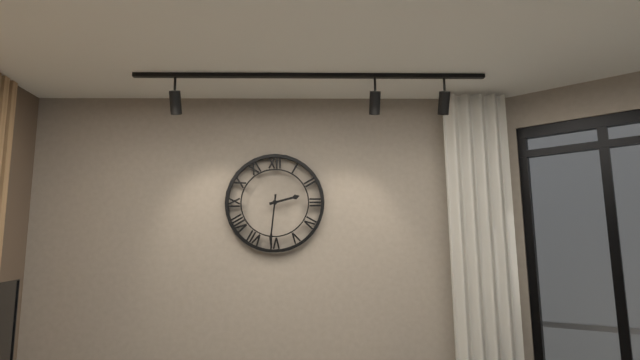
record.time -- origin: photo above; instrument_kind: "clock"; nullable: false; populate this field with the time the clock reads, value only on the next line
2:31
